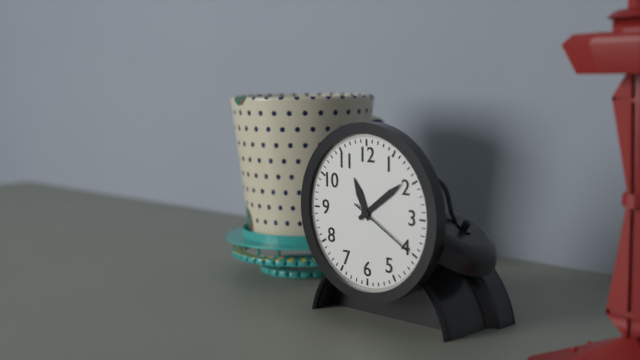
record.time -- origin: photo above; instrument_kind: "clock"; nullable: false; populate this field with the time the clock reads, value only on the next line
11:09:20
